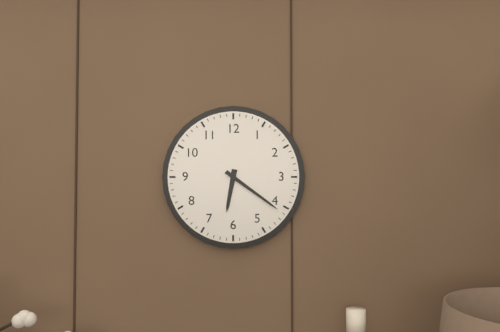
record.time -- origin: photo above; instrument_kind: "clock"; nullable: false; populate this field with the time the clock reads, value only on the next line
6:21
